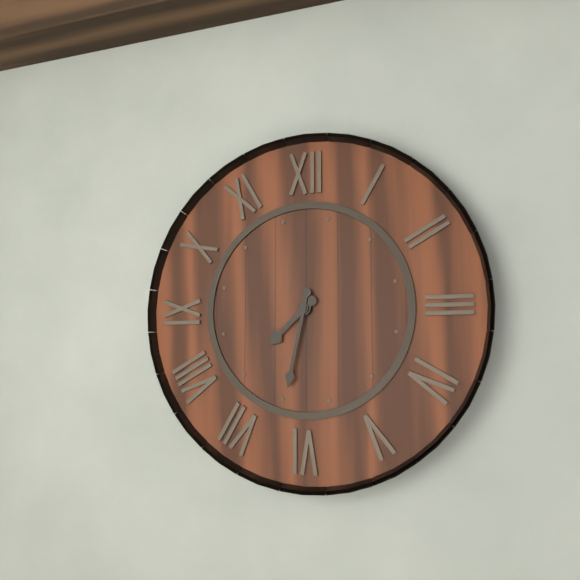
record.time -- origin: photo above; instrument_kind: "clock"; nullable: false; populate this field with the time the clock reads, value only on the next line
7:32
